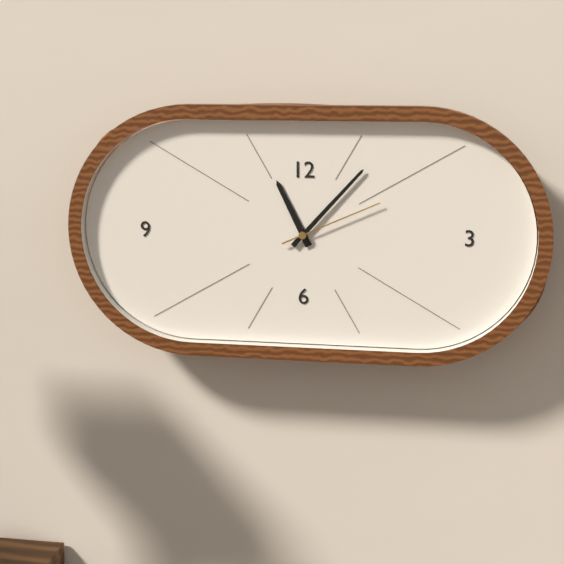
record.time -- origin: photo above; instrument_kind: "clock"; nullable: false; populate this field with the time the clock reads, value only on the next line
11:07:11
